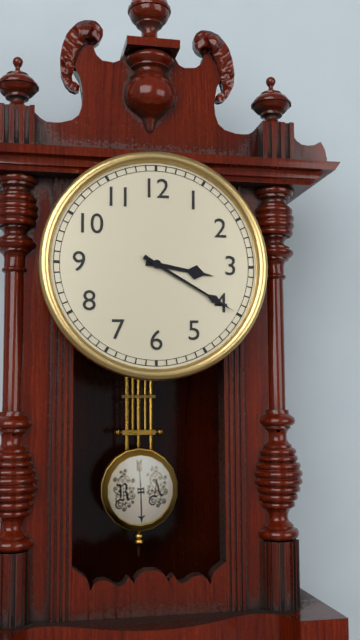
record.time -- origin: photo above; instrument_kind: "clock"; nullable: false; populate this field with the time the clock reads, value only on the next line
3:20
